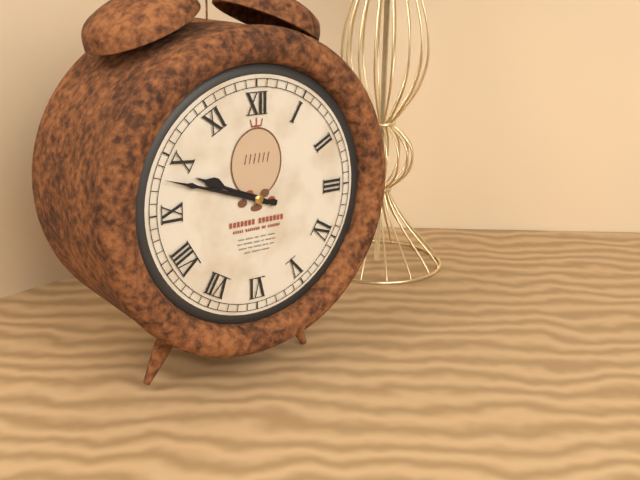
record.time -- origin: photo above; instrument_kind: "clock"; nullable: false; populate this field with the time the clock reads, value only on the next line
9:48
